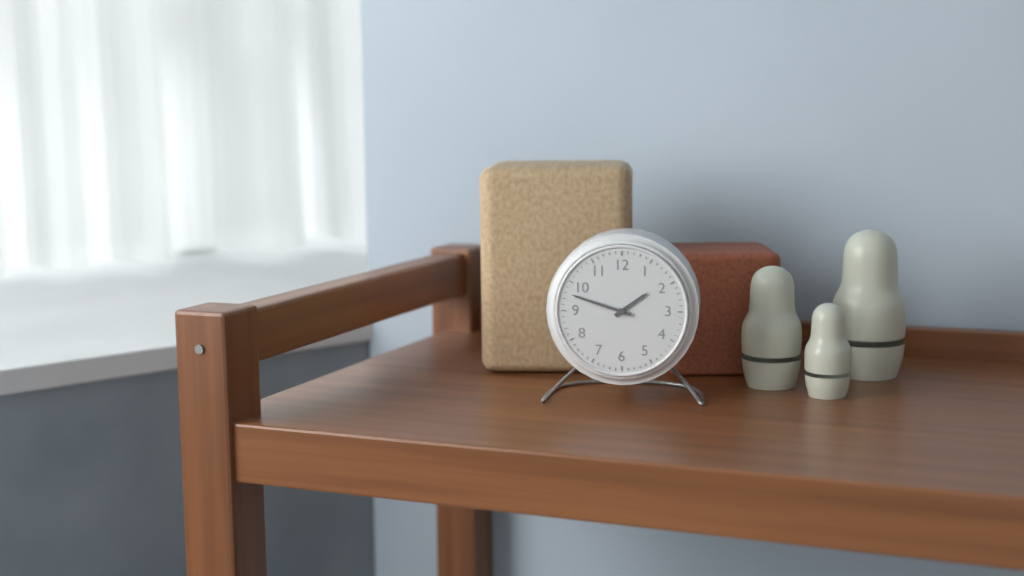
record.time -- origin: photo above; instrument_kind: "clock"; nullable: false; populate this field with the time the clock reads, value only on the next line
1:48
